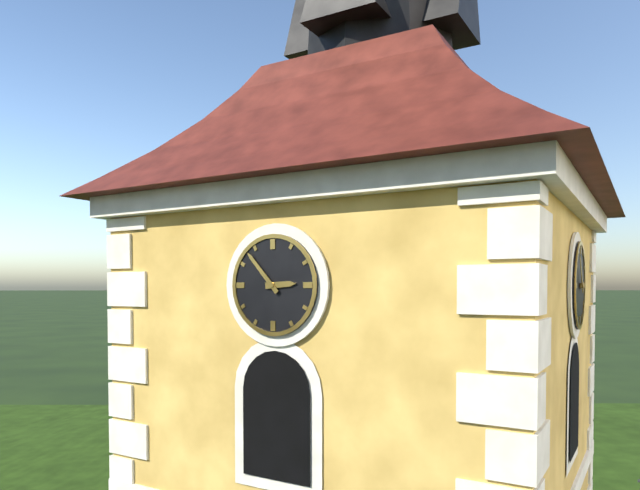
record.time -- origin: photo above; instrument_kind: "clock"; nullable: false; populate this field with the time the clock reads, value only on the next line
2:53
